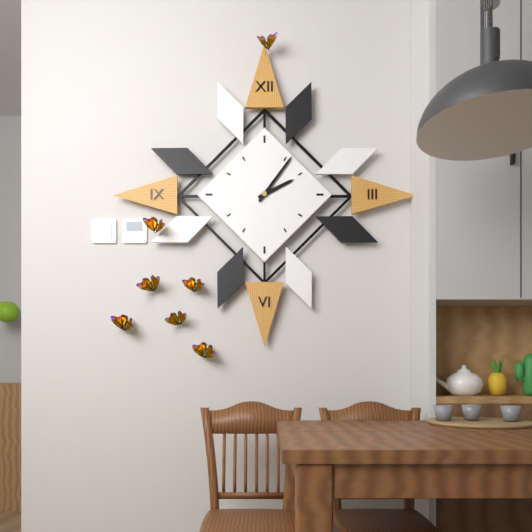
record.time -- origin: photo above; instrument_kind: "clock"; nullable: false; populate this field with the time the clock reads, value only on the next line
2:06
